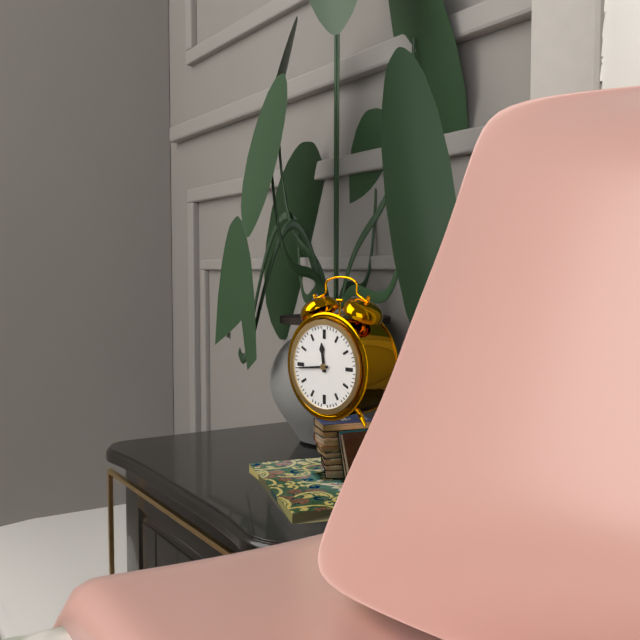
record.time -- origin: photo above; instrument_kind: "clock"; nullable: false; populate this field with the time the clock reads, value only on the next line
11:44
